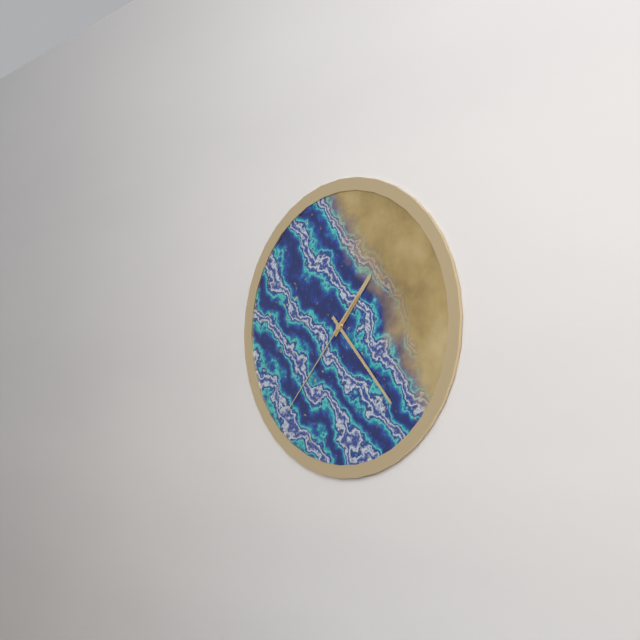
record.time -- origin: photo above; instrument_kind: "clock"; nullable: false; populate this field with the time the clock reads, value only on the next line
1:23:37
